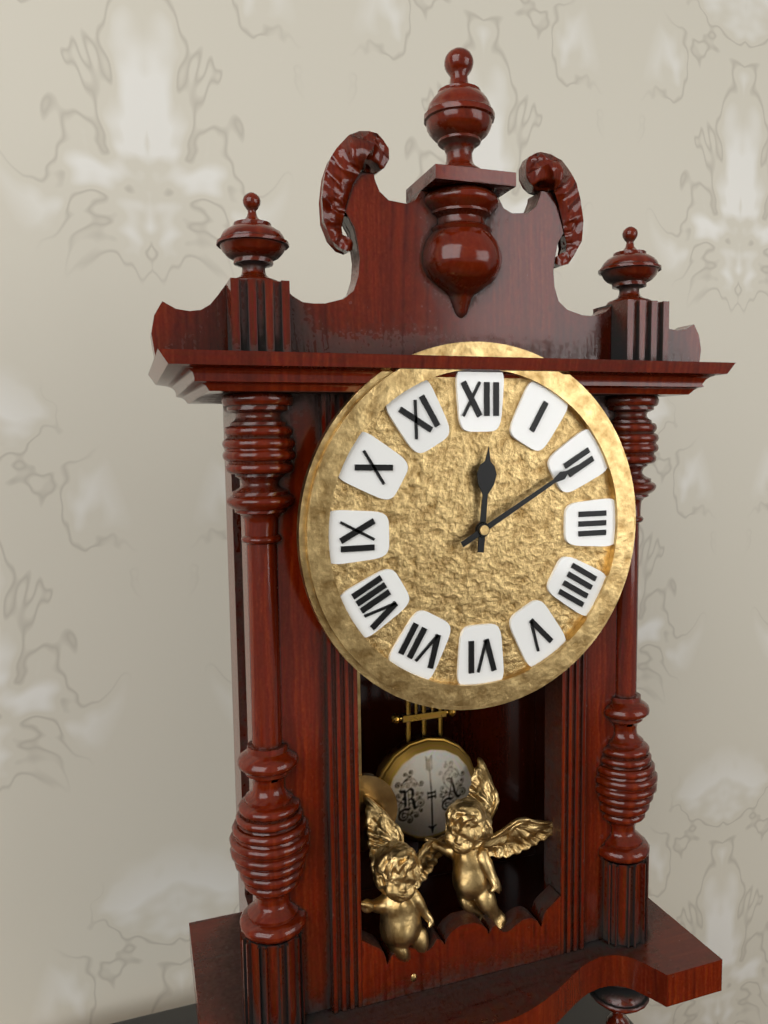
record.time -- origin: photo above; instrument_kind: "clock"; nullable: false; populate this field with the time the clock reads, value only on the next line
12:10
